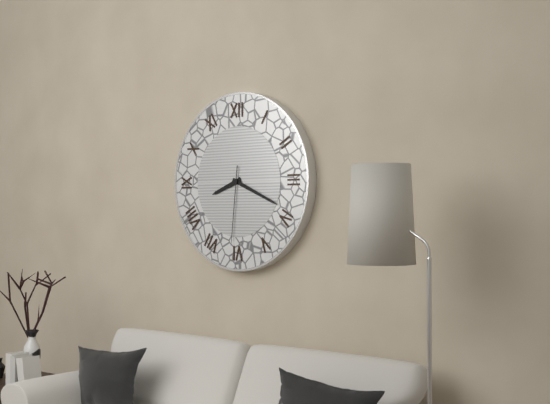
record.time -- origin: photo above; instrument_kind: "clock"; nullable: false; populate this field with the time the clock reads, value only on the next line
8:19:31
